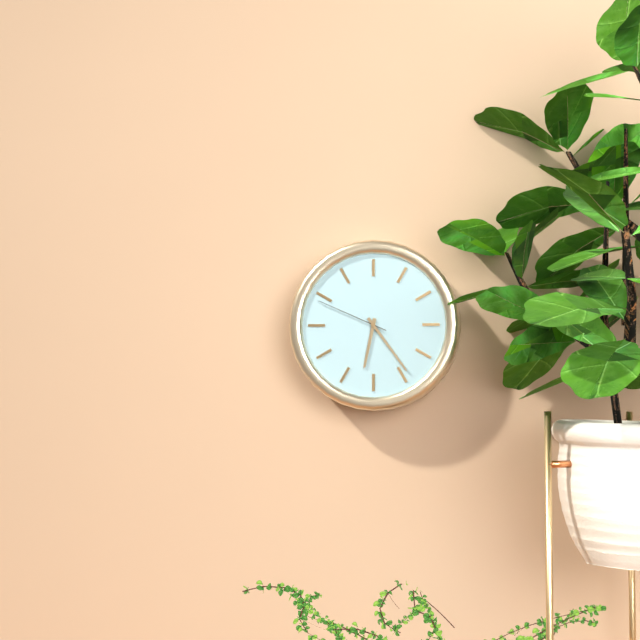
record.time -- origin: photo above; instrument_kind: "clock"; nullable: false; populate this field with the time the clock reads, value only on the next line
6:24:49
